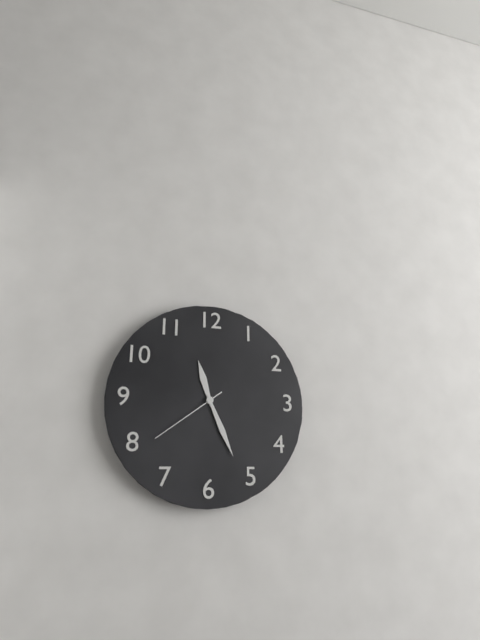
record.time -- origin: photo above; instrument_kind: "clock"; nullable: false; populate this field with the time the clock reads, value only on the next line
11:26:39
